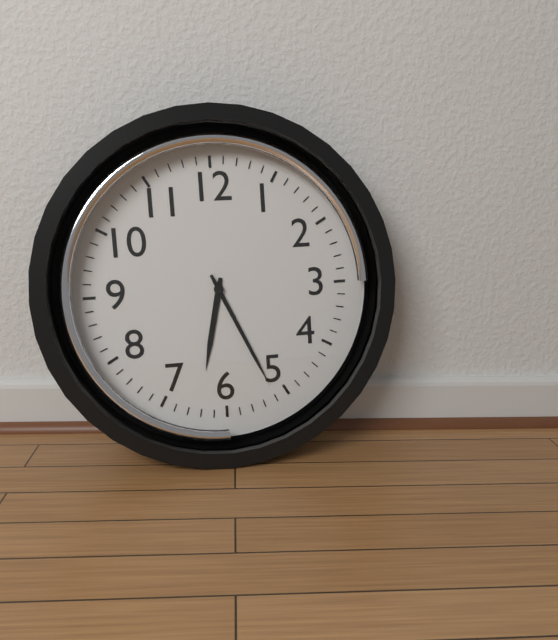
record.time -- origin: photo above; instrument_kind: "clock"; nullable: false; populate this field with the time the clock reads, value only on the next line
6:26
